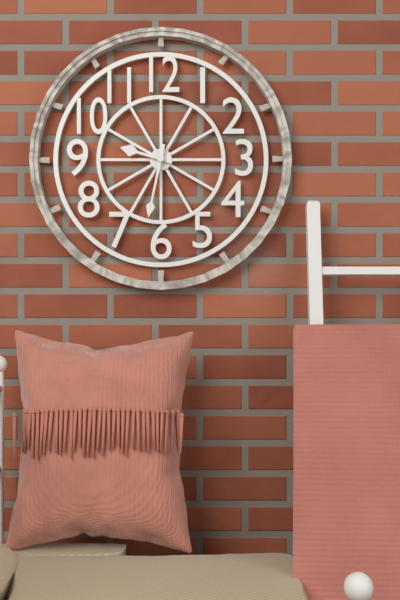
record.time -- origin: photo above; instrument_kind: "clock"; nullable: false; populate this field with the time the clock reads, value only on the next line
9:32
